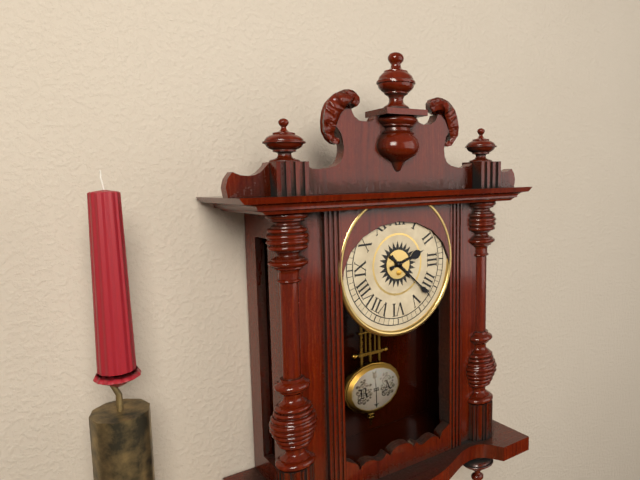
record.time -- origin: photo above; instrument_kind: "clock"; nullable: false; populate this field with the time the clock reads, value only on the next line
2:22
